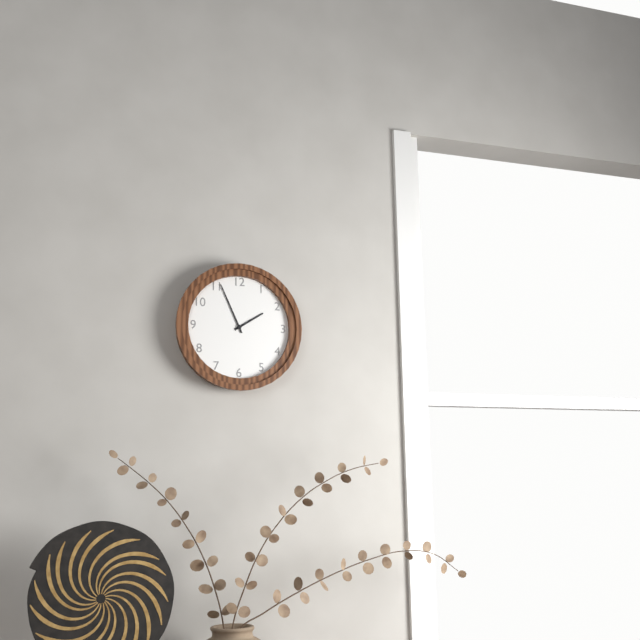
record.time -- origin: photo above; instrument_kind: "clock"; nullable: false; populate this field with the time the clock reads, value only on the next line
1:56
